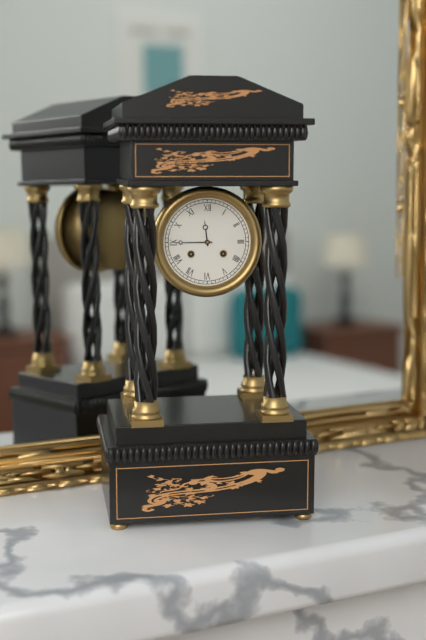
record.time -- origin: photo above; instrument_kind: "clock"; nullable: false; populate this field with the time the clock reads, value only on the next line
11:45
